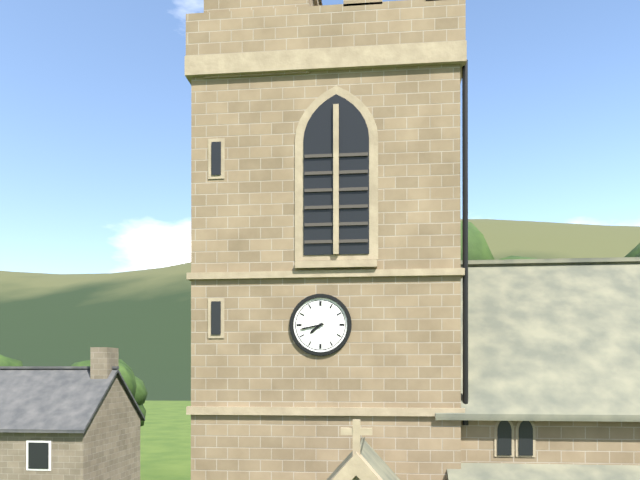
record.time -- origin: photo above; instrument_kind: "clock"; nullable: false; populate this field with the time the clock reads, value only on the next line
7:43
